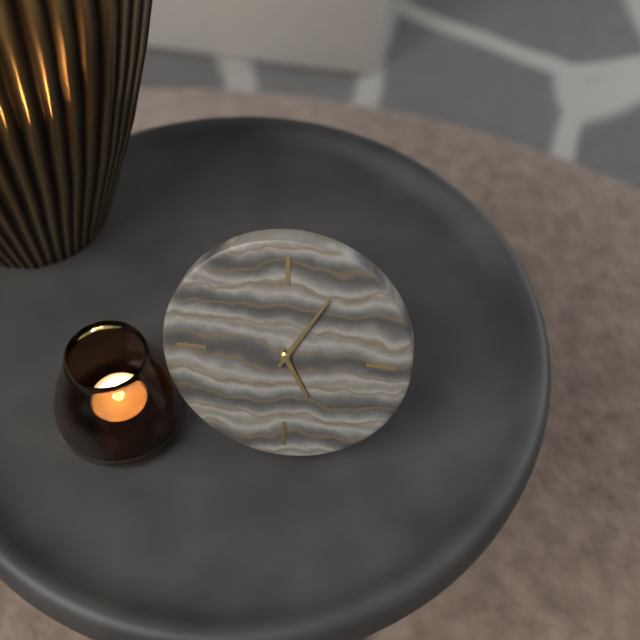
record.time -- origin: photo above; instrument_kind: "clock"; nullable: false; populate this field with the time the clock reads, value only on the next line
5:05
